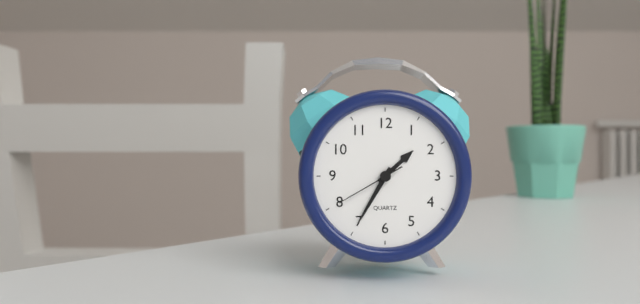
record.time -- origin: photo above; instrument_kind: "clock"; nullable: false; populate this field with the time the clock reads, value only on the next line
1:35:40
